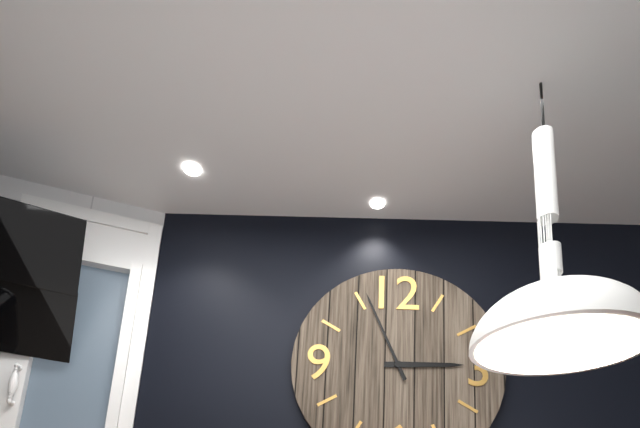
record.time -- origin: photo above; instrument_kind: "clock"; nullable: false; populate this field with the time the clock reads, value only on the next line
2:56
